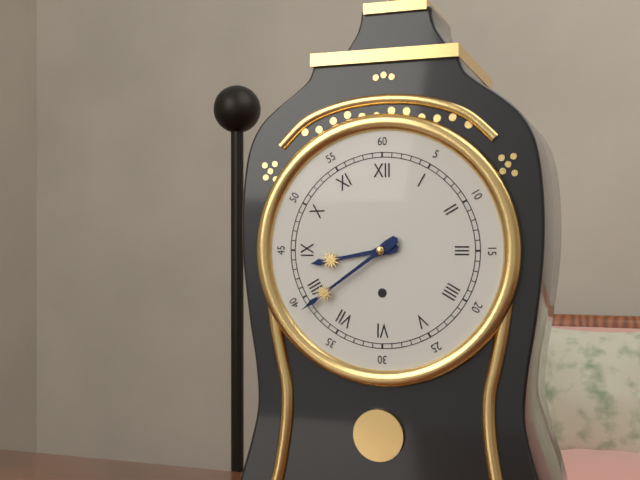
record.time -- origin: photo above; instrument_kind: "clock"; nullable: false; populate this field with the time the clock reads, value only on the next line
8:39
